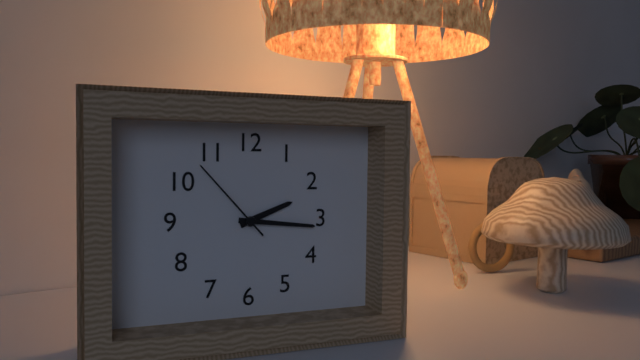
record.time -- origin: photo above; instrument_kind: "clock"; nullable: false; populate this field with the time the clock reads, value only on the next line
2:16:53
